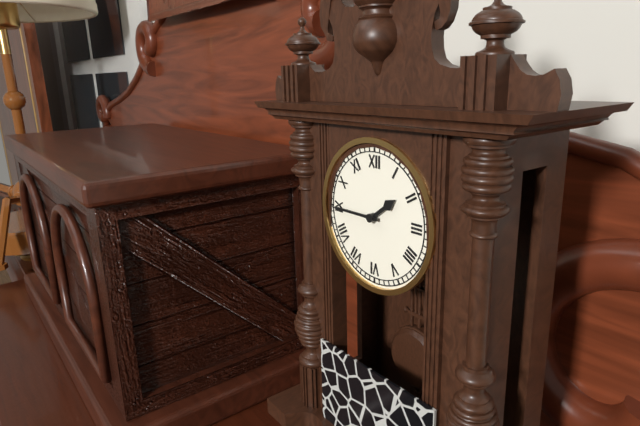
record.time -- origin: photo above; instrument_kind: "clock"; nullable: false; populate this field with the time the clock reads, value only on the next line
1:45
